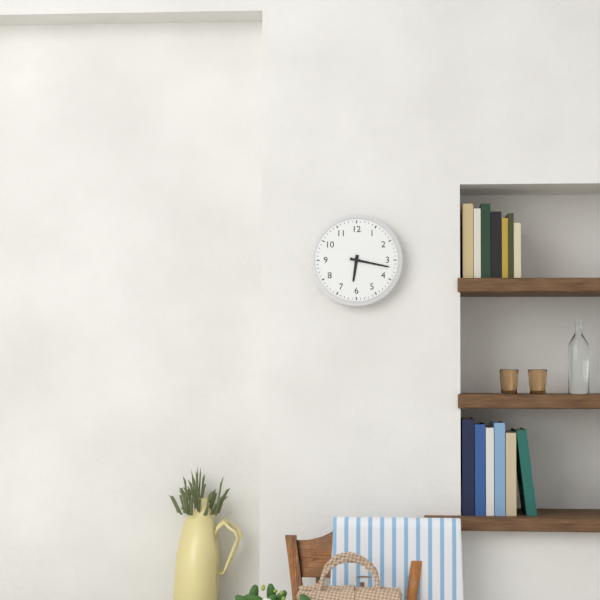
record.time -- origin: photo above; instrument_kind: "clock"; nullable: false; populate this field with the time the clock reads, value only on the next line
6:17
